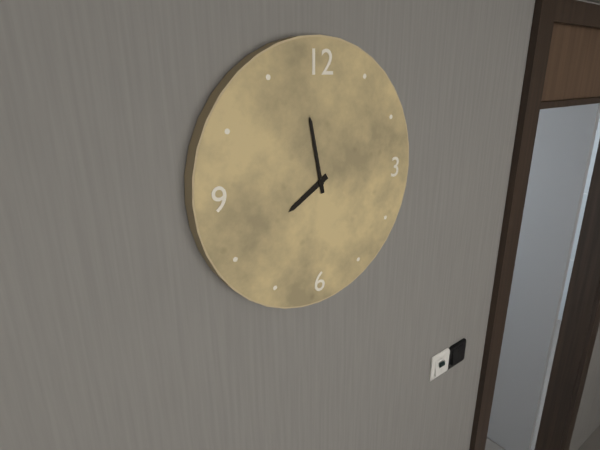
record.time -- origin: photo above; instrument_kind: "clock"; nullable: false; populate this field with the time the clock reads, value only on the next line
7:58
